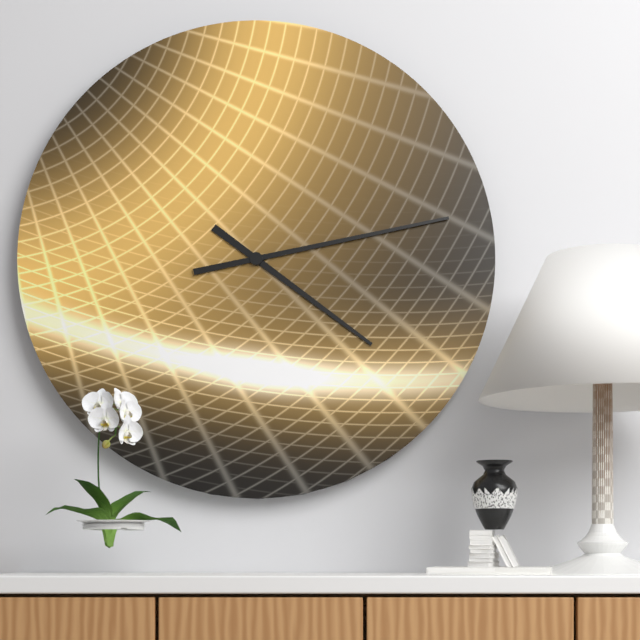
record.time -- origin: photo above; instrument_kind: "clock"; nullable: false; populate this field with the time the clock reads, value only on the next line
4:13
